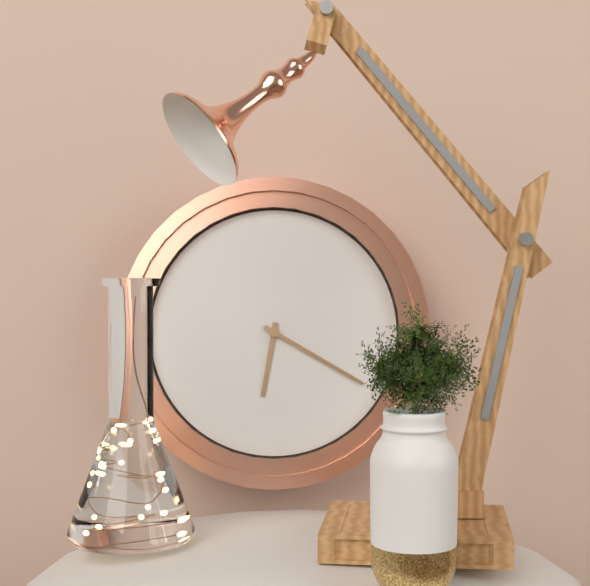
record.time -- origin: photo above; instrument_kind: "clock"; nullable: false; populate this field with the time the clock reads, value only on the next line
6:20
